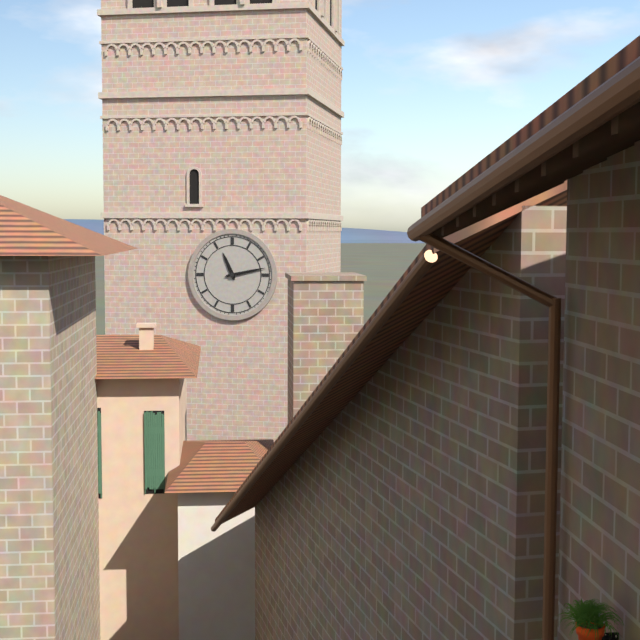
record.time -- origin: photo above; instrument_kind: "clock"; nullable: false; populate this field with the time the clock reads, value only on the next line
11:13
